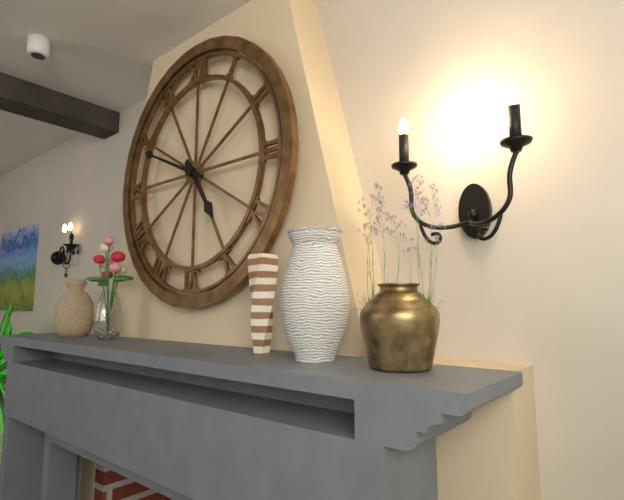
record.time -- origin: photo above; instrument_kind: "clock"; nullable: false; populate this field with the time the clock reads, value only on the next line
4:49
